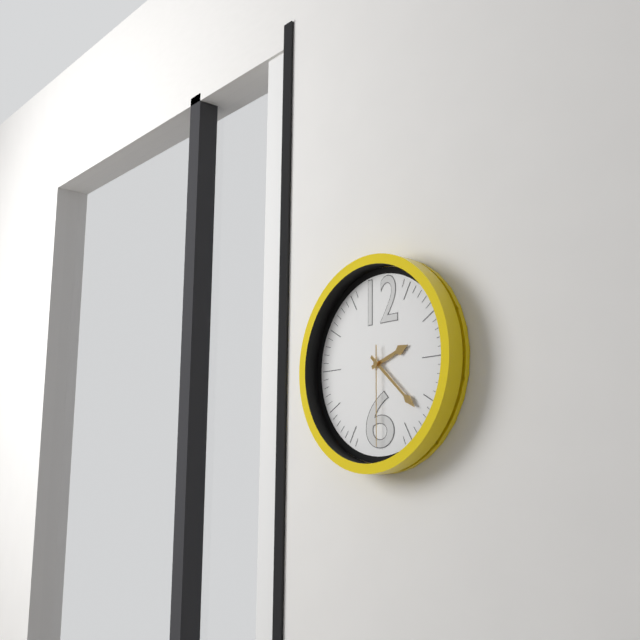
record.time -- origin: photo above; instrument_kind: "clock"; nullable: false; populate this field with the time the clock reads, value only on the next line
2:22:30
